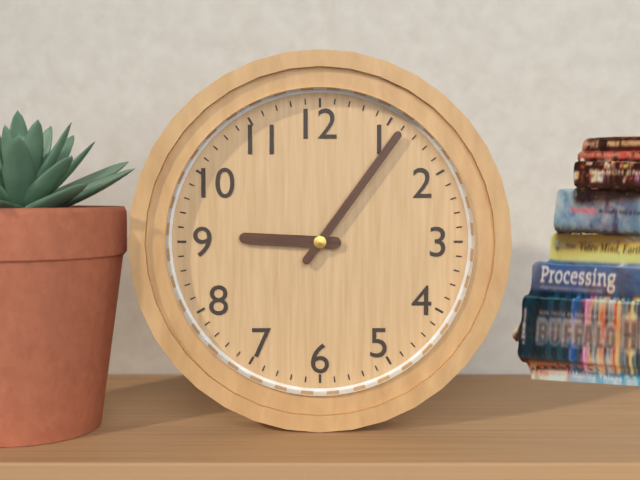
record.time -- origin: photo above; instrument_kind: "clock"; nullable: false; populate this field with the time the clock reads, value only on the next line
9:06
